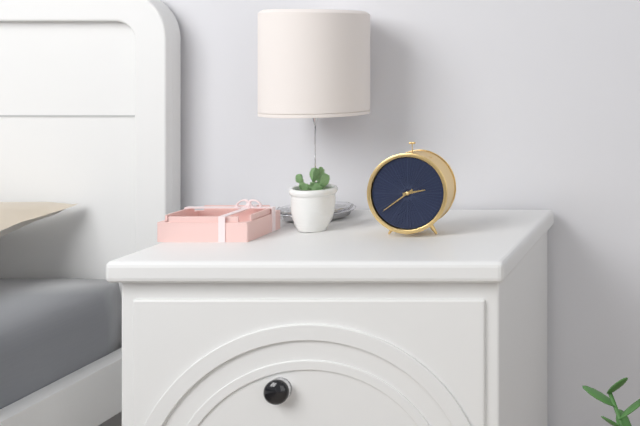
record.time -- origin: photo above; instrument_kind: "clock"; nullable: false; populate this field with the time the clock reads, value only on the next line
2:39
